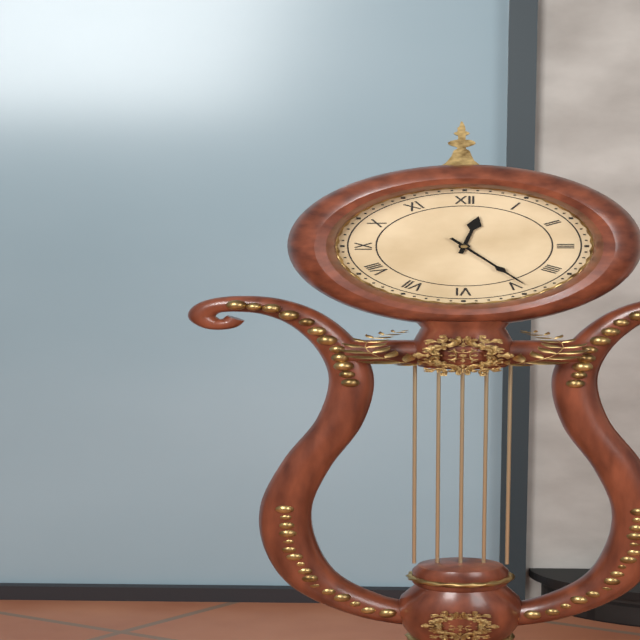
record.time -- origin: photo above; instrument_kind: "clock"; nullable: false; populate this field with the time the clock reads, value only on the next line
12:24
